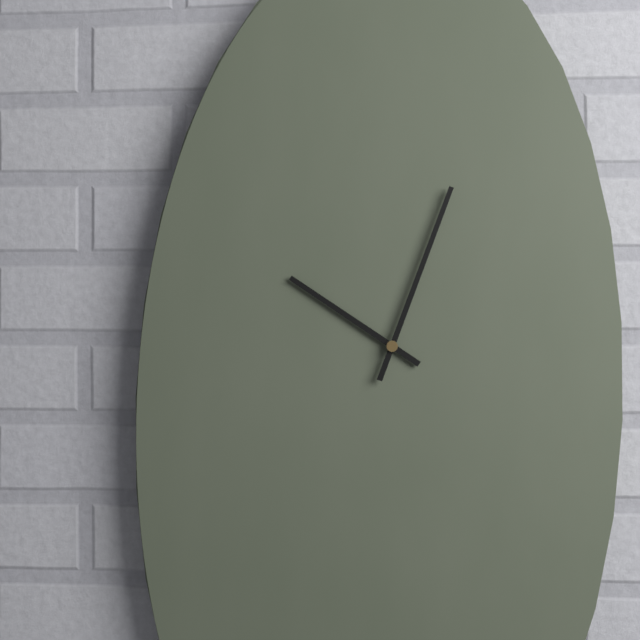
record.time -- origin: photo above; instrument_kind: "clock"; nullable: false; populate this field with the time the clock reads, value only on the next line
10:03
